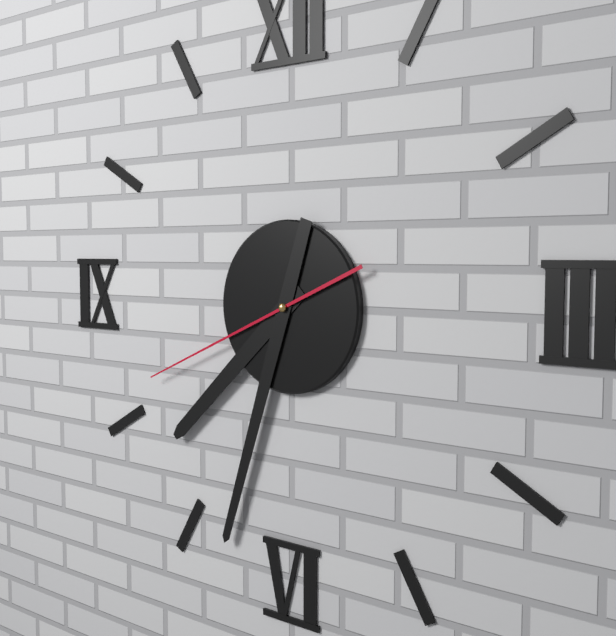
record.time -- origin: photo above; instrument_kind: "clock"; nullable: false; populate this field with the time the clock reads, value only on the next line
7:33:41
